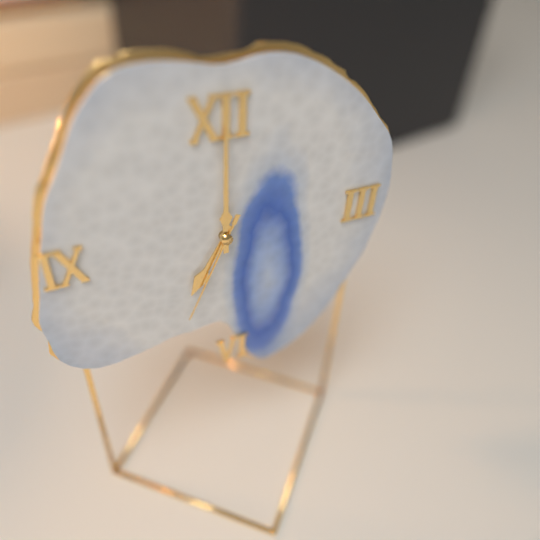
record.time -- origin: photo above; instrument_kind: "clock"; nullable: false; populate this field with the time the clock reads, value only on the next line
7:00:34
